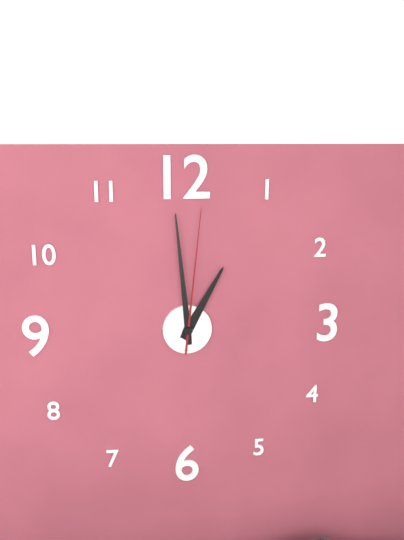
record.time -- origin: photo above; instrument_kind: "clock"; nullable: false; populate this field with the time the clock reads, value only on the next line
12:59:01
